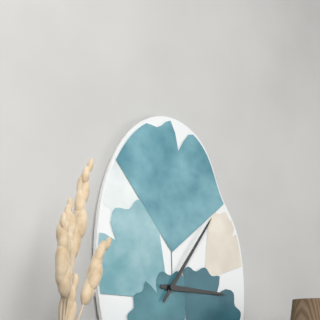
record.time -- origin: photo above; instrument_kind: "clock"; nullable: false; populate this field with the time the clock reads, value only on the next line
3:06
